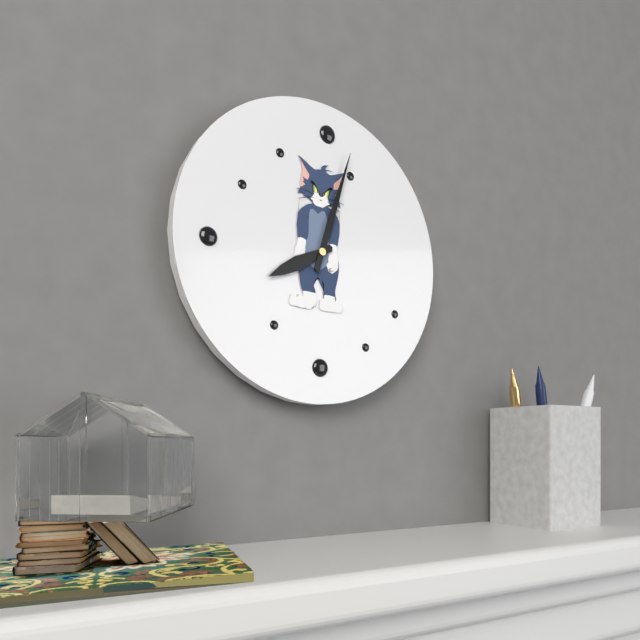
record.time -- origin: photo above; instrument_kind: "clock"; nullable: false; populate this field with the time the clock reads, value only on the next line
8:03
